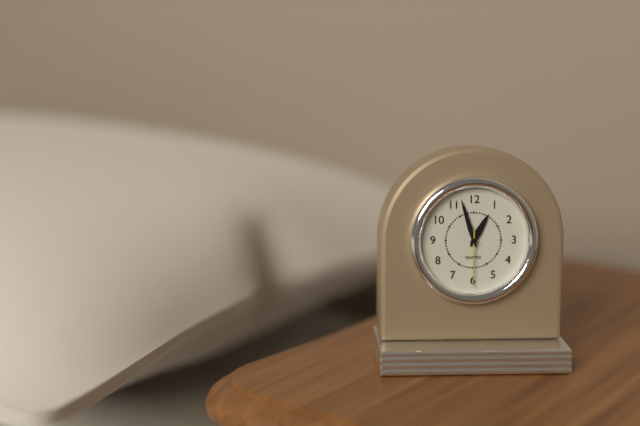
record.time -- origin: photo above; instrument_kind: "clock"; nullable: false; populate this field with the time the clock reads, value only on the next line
12:57:30
